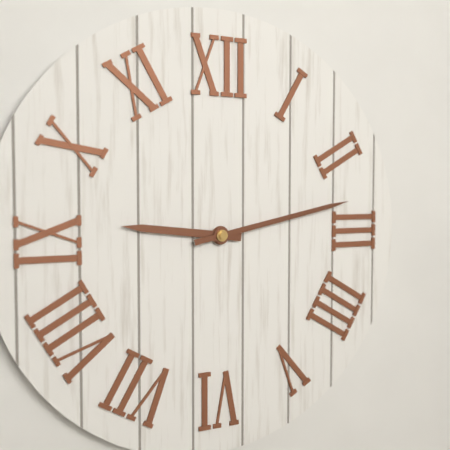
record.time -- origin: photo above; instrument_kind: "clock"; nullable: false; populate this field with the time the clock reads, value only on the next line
9:13
